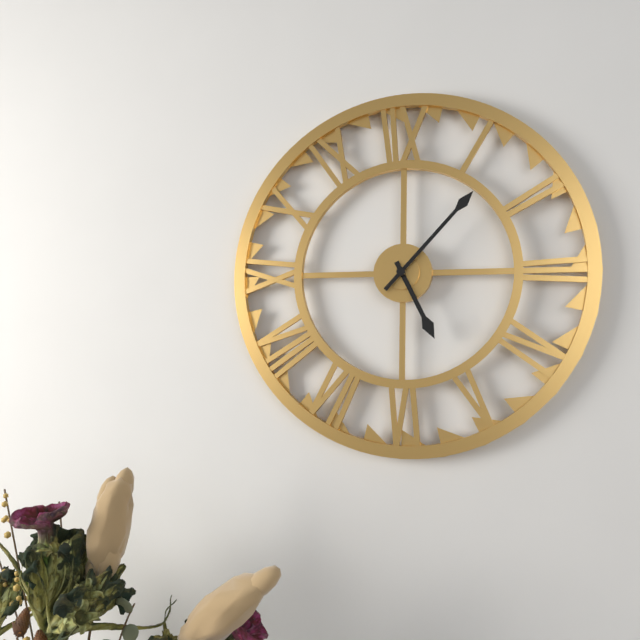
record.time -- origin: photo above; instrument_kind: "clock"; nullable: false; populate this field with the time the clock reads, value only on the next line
5:07
